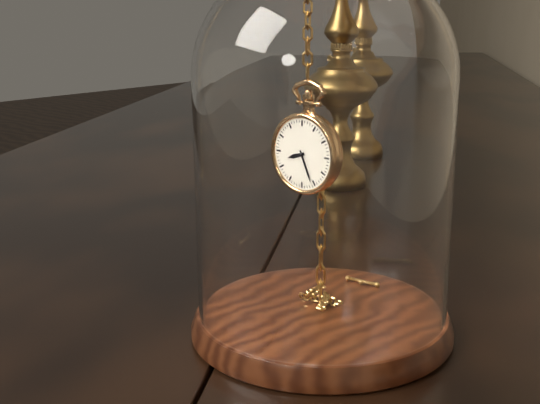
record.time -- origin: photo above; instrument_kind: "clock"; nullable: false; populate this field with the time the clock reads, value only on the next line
8:26
